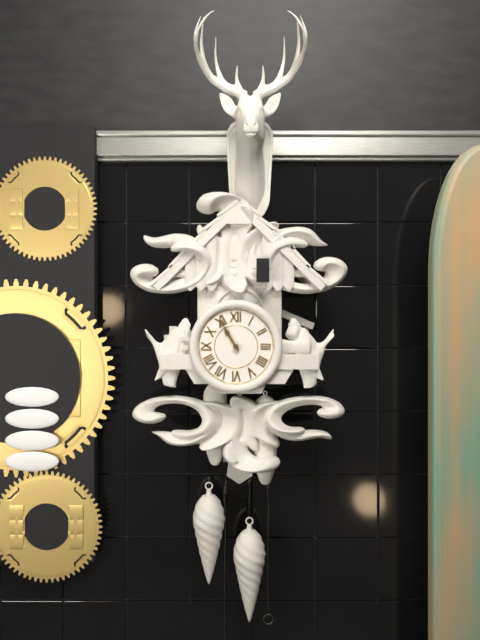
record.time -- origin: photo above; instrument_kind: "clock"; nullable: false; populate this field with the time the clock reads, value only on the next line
10:55
